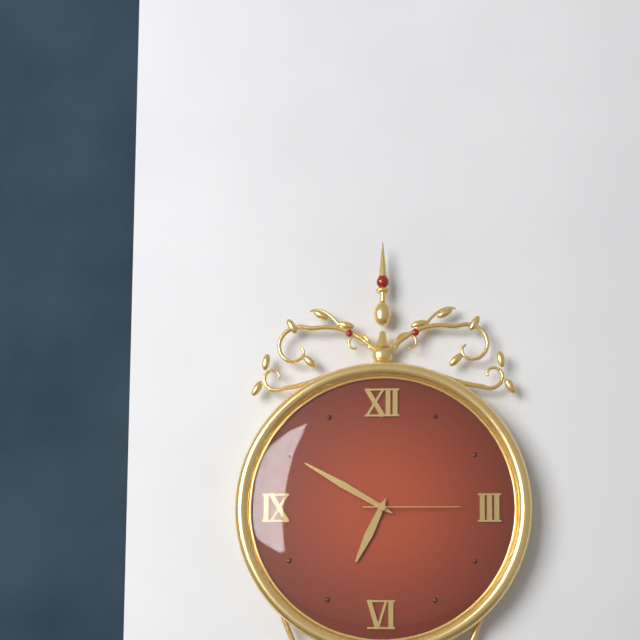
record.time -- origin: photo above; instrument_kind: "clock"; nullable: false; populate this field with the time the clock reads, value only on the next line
6:50:15
